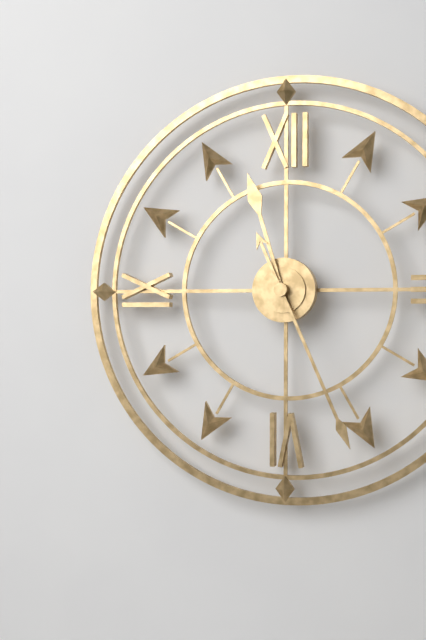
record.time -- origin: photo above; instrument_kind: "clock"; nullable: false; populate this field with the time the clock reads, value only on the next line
11:26
